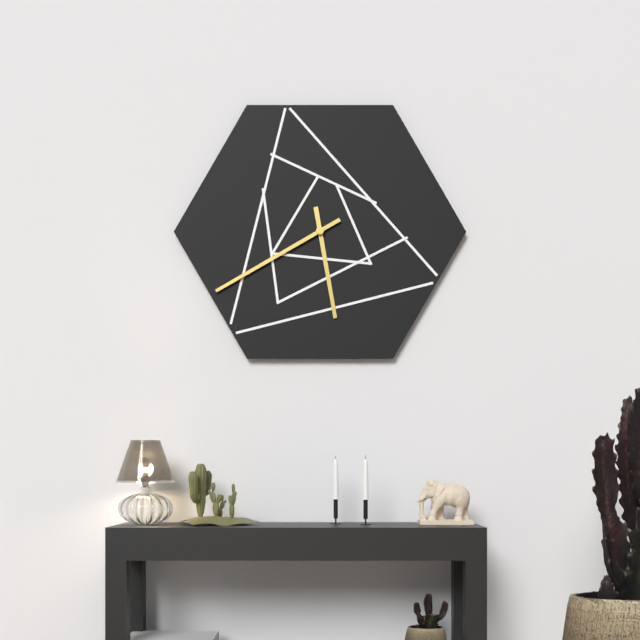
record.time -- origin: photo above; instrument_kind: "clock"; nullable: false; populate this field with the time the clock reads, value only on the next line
5:40
